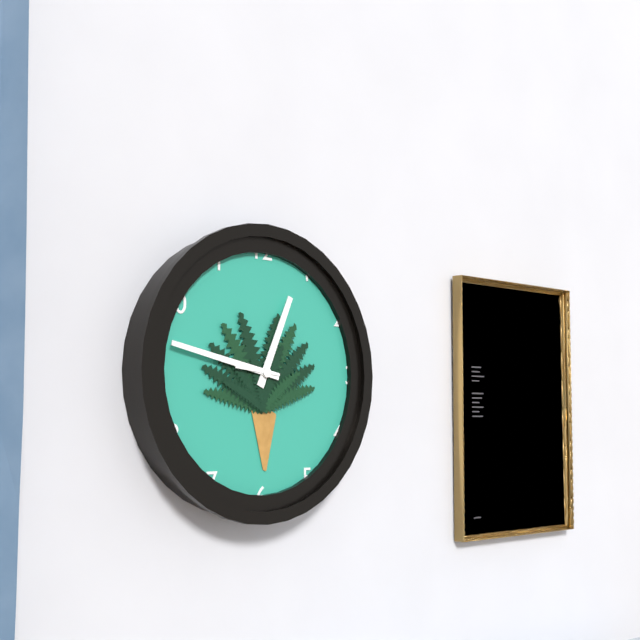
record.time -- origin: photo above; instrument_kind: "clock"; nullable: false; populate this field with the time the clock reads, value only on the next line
12:47
